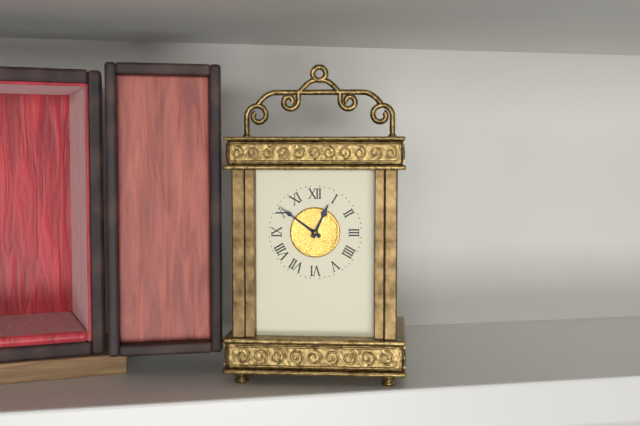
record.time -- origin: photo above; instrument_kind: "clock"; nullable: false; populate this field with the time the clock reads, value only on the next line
12:51
